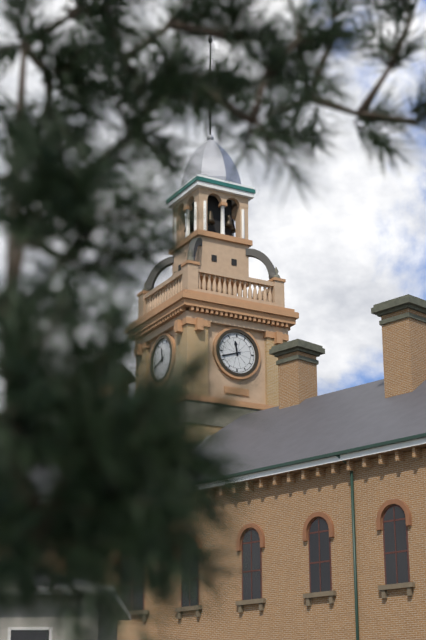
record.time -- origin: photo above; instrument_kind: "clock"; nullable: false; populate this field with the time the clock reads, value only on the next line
11:42
